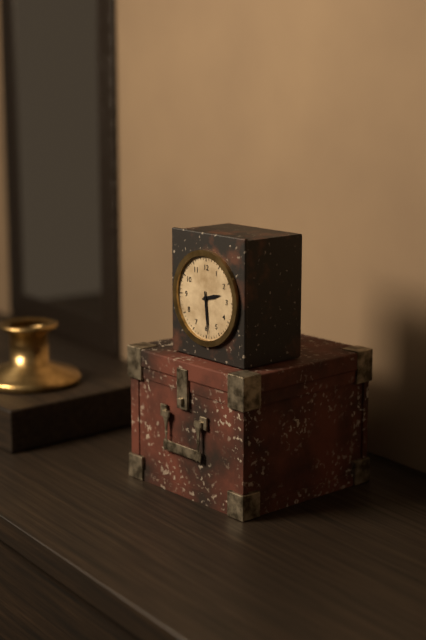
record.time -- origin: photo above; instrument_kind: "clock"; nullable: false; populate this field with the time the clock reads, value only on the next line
2:29
